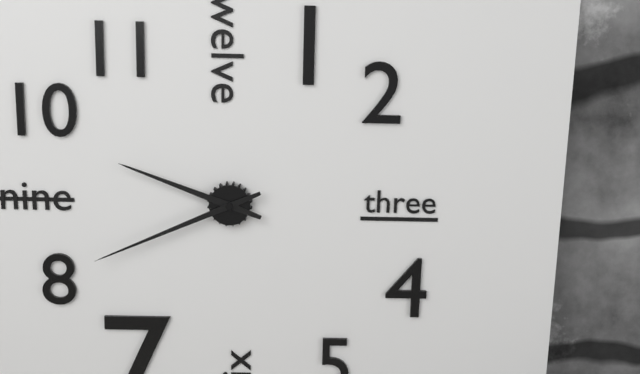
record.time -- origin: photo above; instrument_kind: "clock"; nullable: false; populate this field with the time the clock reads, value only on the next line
9:41
